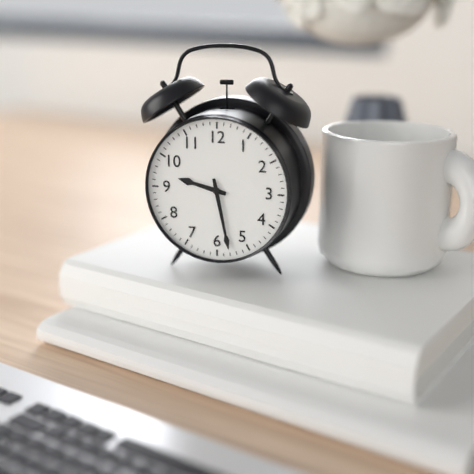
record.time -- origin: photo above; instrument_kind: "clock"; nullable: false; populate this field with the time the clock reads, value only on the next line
9:28
